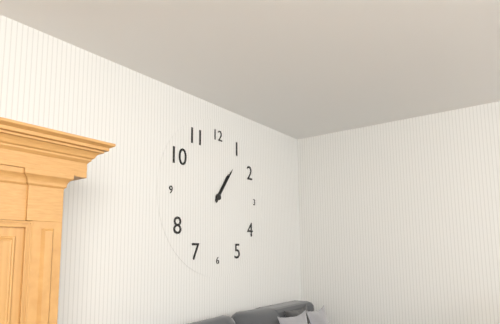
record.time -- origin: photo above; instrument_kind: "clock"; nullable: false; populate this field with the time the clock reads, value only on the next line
1:06
